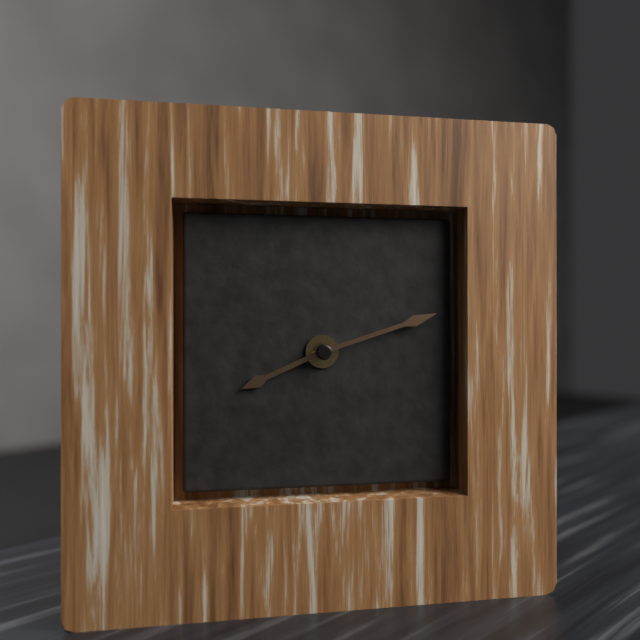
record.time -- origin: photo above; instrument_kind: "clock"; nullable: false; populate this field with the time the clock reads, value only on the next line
8:12
